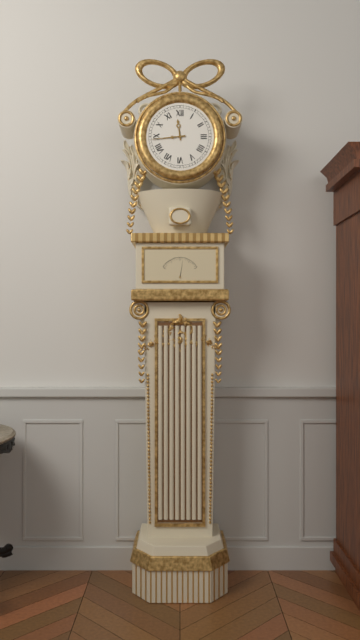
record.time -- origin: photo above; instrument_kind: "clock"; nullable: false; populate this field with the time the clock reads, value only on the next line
11:44
